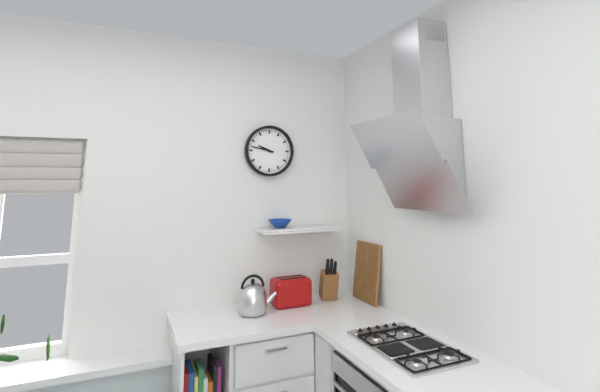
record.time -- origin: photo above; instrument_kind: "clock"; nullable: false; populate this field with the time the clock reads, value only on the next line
9:47
